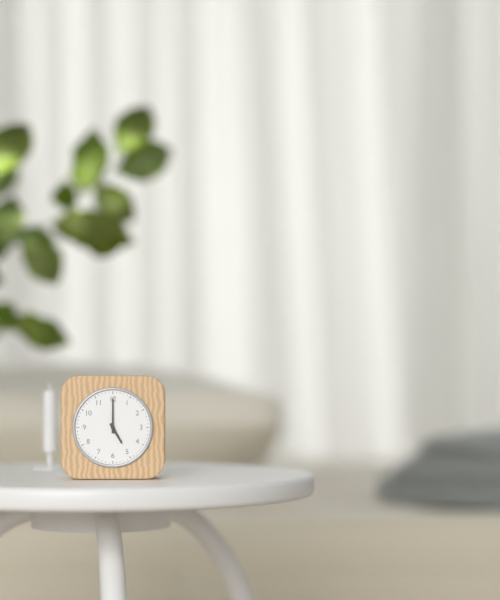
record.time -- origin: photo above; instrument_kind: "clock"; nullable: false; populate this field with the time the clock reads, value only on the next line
5:00
